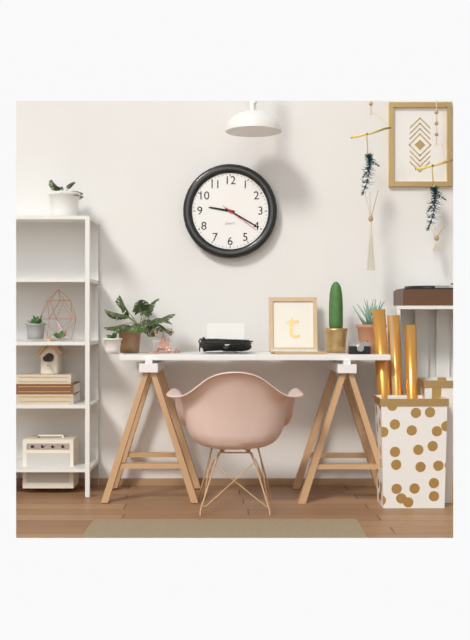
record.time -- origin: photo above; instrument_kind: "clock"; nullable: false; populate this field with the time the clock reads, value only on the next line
9:20
